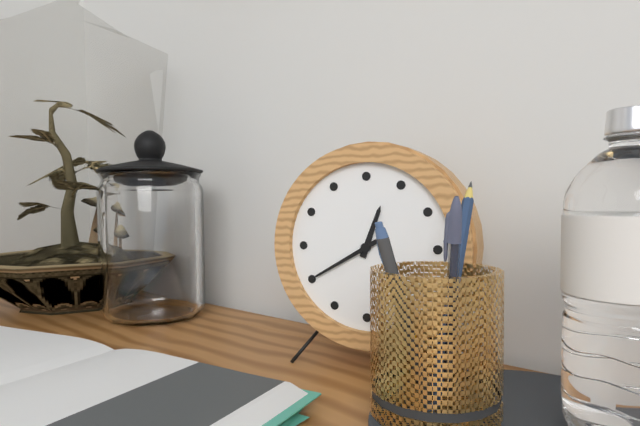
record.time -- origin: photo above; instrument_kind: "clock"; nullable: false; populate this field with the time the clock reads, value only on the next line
12:40
